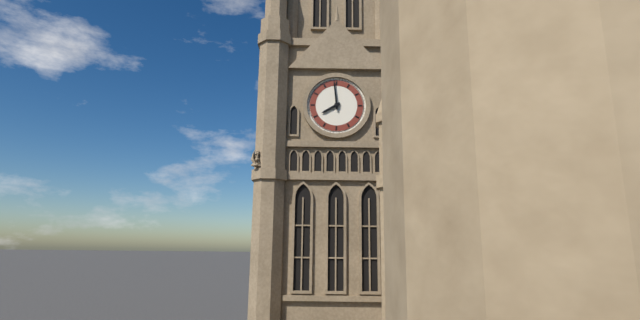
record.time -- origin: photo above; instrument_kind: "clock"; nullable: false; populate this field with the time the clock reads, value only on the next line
7:59
